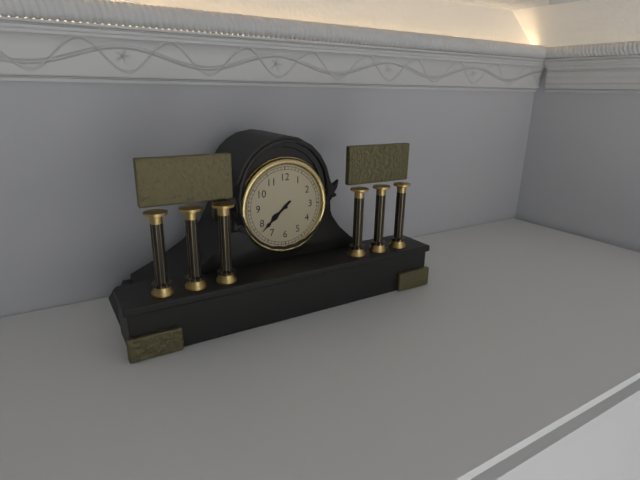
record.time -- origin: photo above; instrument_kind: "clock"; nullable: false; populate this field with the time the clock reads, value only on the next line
7:38
